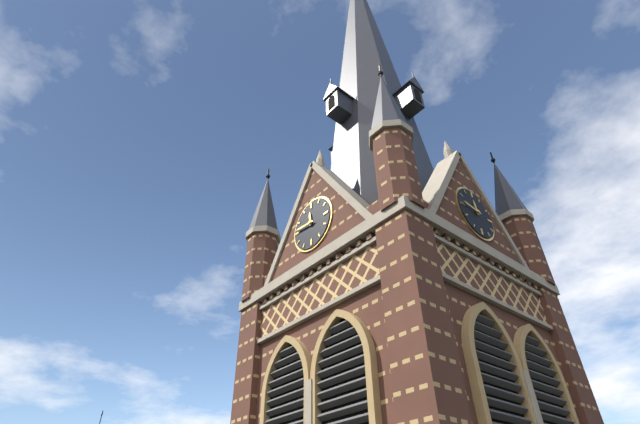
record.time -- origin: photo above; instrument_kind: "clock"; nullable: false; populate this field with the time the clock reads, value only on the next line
11:46
